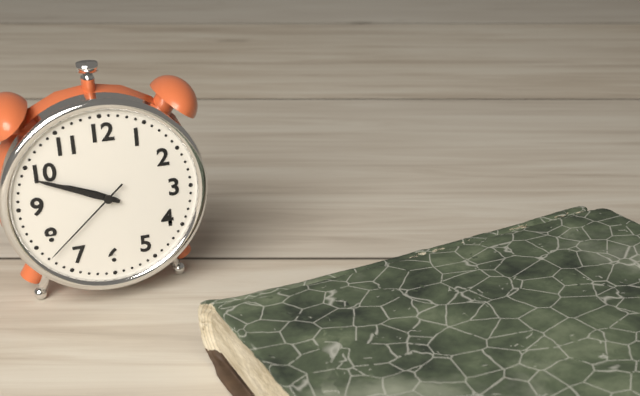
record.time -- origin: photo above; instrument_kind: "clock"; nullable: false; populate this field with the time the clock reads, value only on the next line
9:49:38
